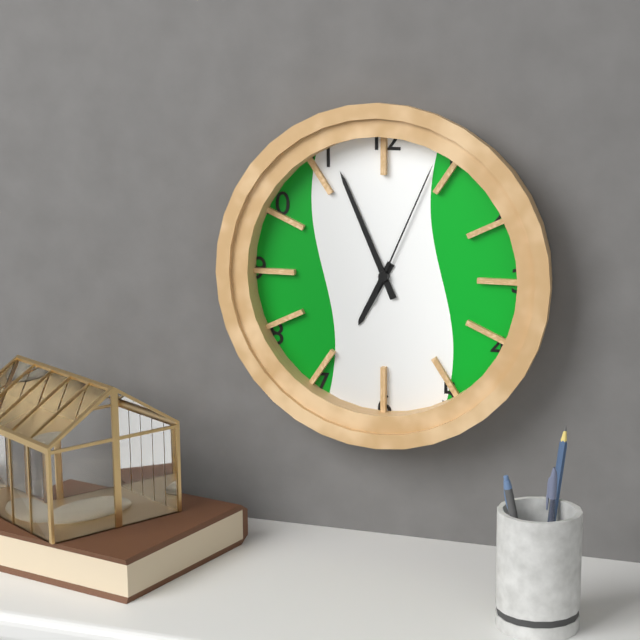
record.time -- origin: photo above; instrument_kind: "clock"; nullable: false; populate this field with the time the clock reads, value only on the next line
6:56:04
